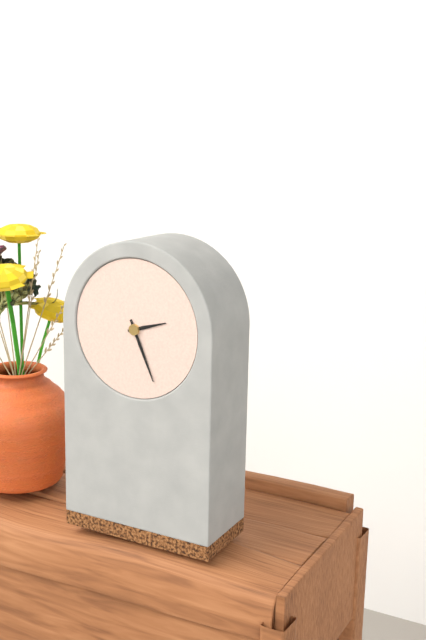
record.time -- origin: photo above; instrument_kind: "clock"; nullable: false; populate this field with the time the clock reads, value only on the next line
2:26
